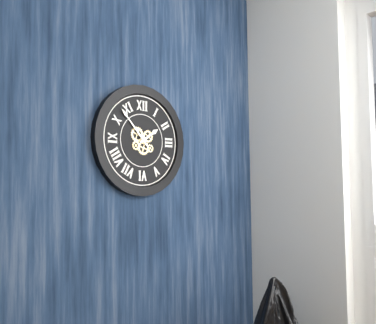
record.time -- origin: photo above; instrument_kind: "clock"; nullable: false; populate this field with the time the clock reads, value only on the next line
1:53
